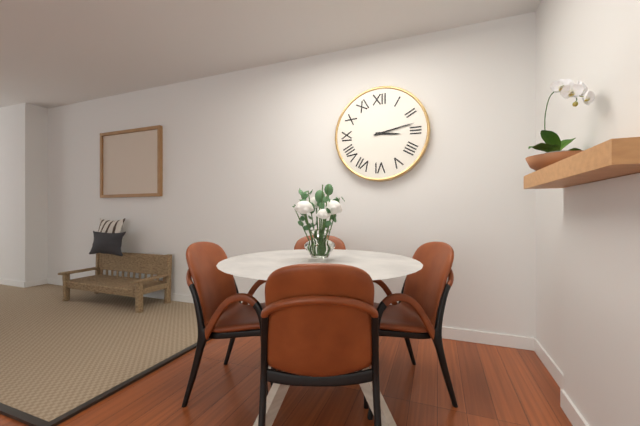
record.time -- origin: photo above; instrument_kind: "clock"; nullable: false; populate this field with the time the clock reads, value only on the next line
3:13
